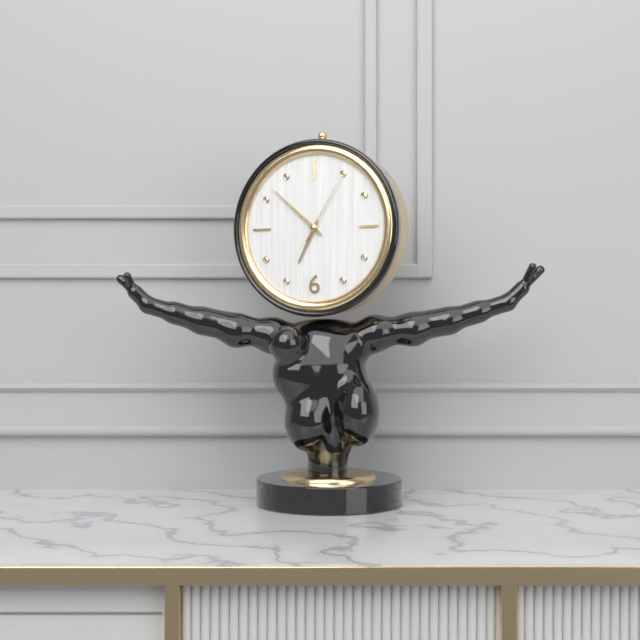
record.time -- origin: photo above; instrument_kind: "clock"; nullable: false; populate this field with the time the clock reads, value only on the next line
6:52:05
